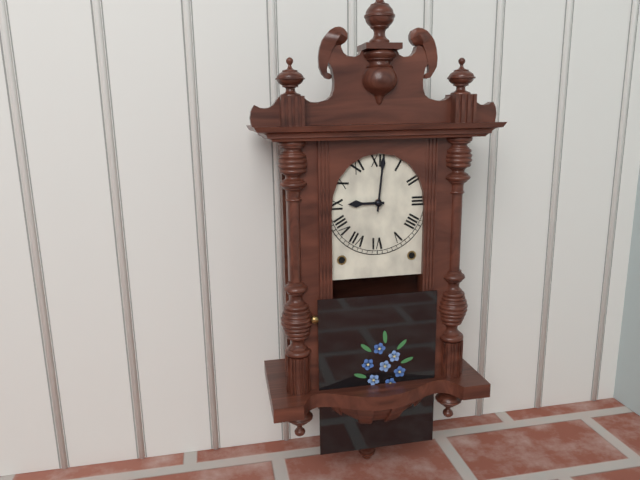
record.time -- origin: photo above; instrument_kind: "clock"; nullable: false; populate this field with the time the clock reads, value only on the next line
9:01
